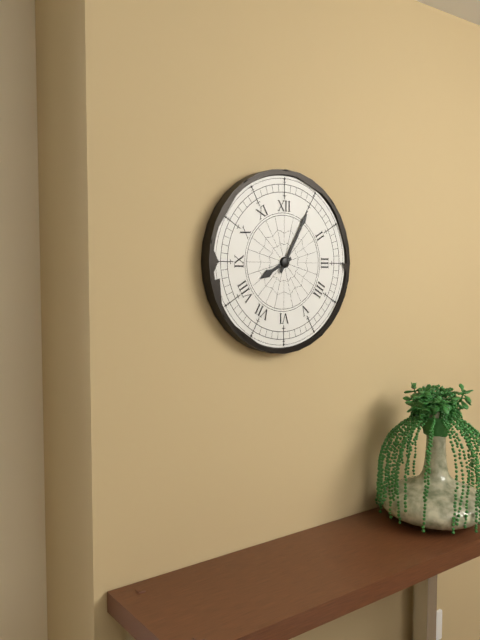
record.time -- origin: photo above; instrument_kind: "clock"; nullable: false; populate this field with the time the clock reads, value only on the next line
8:05
